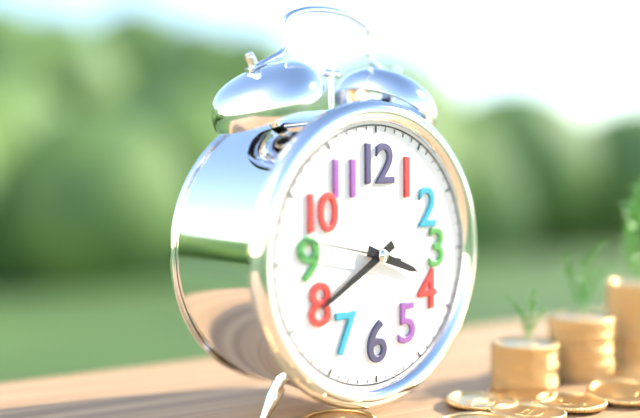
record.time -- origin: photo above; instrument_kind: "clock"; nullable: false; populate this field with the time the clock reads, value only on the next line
3:40:47
